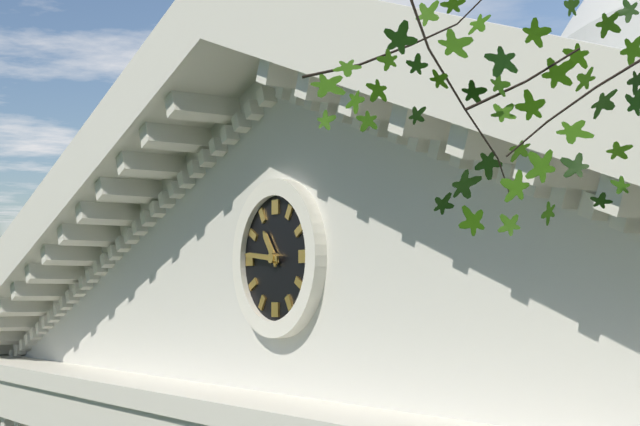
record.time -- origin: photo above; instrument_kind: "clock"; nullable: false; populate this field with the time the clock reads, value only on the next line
10:46
